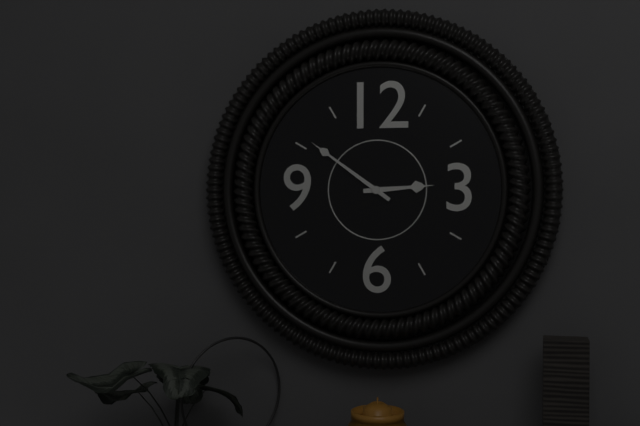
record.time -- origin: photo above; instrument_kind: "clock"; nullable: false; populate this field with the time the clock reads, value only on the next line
2:51
